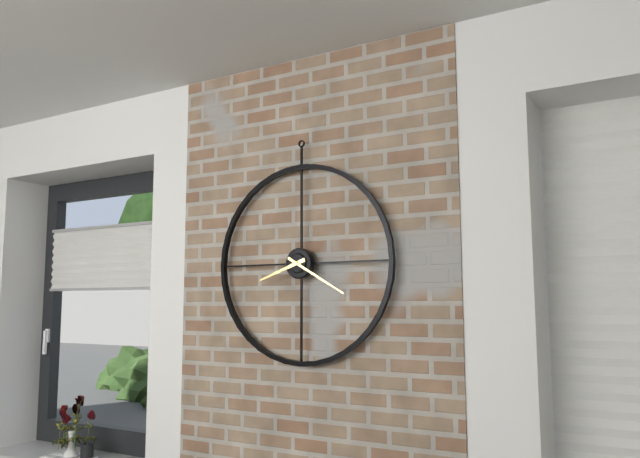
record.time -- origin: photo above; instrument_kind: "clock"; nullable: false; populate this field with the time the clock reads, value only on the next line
8:20
